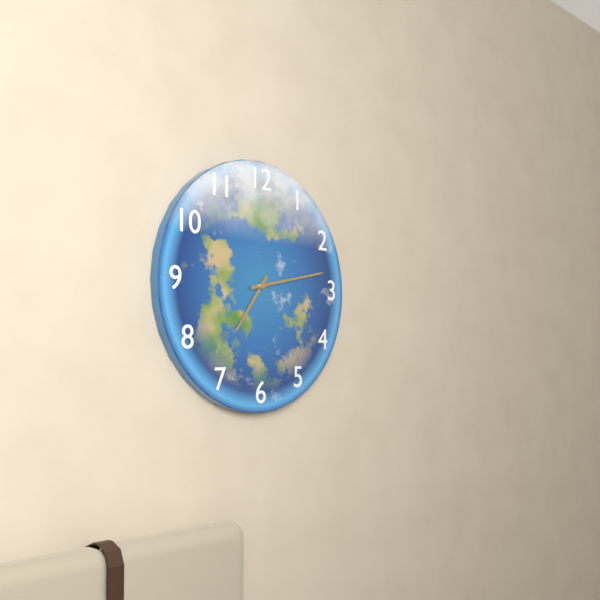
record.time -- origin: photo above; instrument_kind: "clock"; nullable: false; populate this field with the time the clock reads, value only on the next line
7:13
